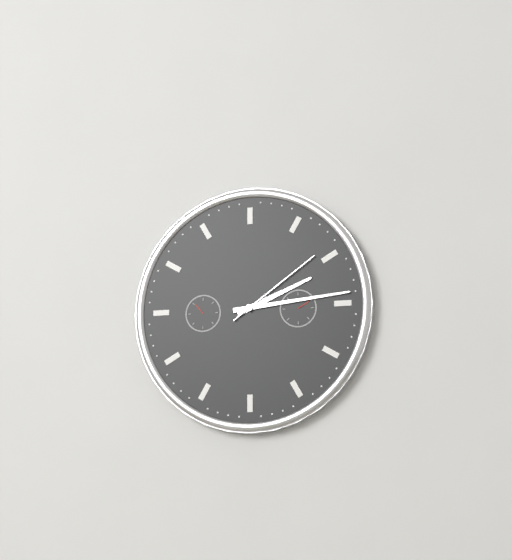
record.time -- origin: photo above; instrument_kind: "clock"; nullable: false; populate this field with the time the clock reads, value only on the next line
2:14:09
